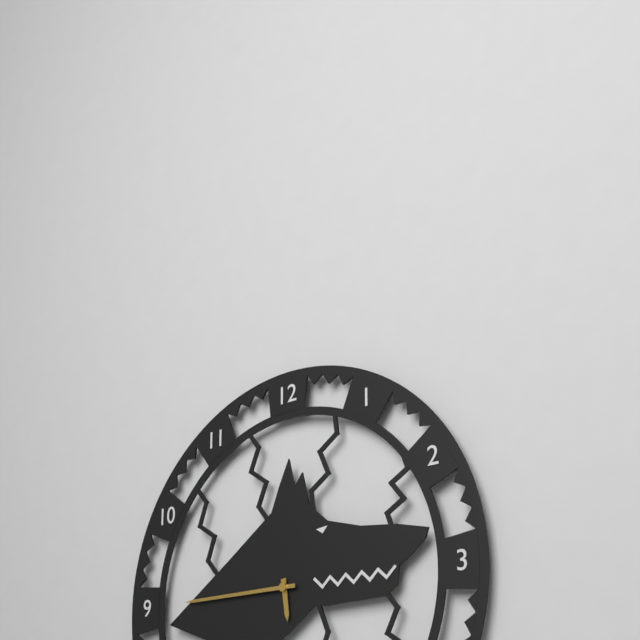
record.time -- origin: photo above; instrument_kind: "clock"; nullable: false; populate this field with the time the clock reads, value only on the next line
5:45
